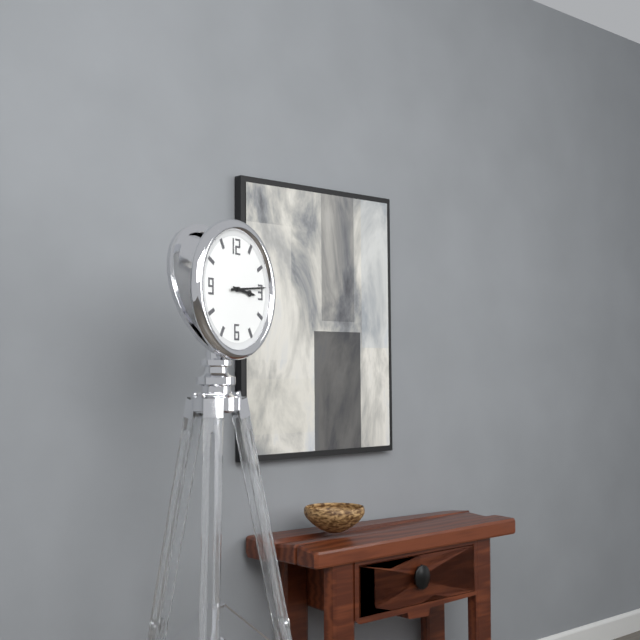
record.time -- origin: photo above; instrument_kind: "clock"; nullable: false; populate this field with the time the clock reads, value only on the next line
3:14
